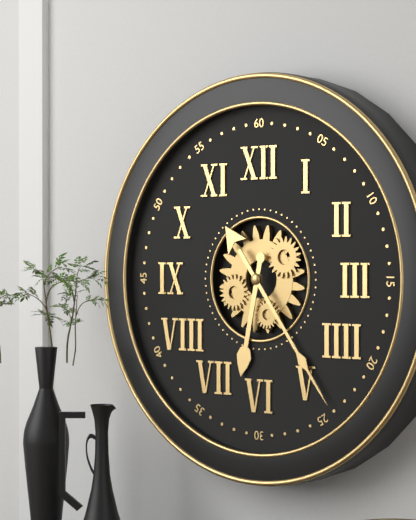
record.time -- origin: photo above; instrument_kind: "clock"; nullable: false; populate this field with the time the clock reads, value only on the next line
6:24
